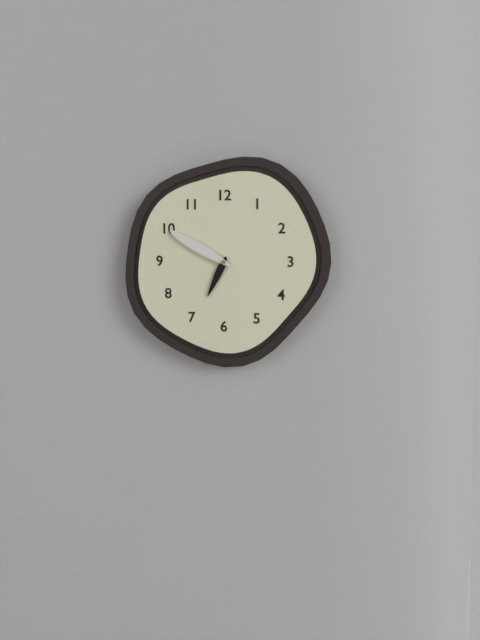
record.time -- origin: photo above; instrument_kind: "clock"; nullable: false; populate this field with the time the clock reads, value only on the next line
6:50
